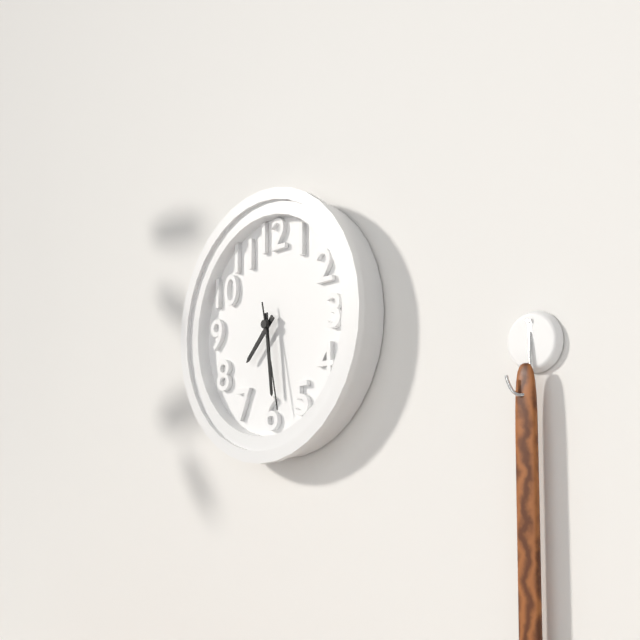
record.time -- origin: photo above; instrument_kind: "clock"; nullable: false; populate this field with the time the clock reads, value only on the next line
7:29:28
